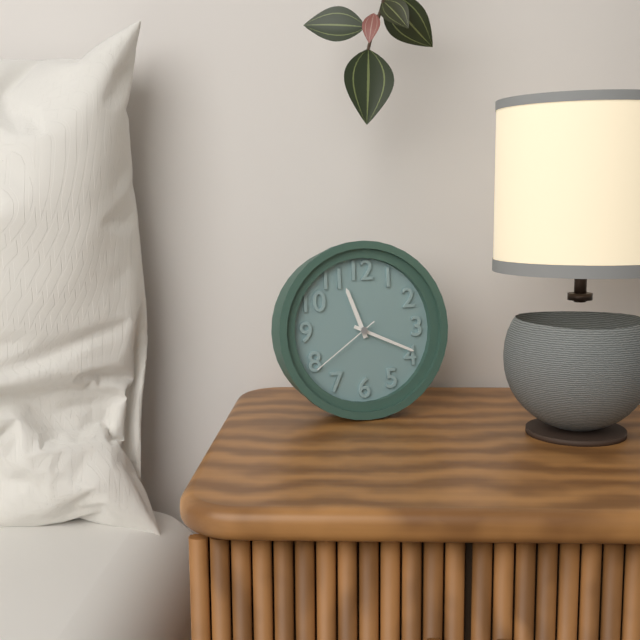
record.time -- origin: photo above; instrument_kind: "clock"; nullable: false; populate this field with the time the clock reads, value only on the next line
11:19:39
